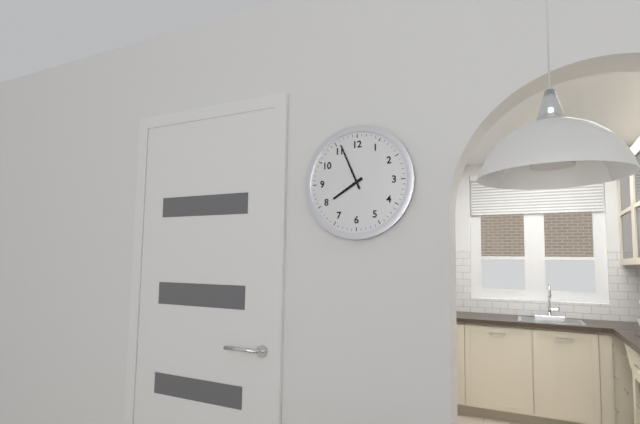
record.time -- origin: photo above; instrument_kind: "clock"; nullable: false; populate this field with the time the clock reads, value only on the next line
7:56
